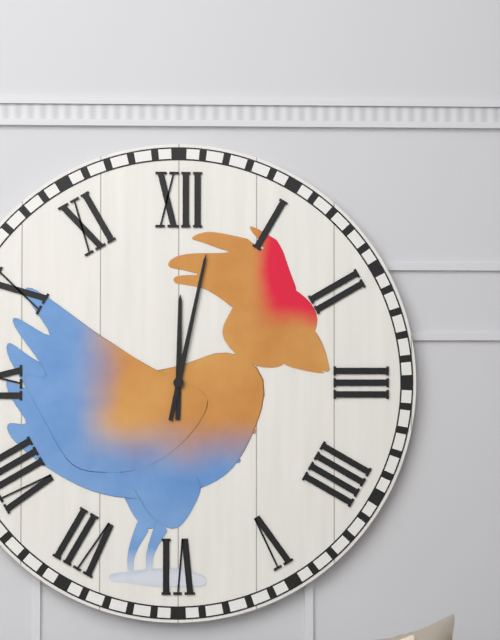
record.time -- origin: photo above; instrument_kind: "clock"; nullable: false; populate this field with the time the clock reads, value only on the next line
12:02
